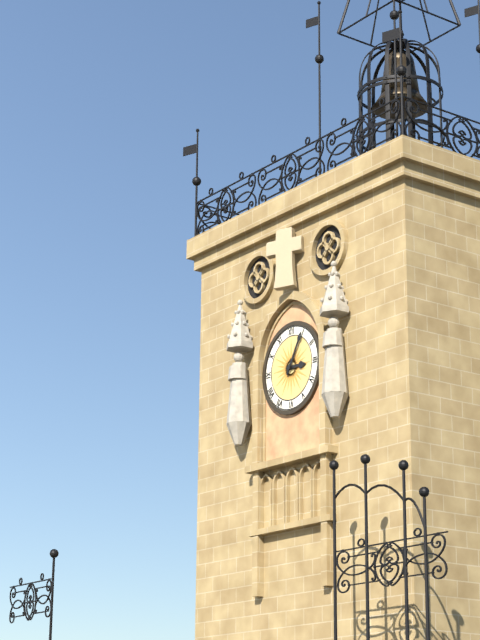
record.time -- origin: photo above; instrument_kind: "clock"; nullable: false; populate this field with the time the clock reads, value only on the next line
3:05
